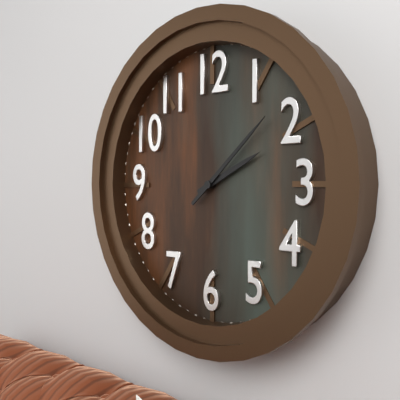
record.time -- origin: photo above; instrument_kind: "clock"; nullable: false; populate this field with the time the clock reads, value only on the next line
2:08
